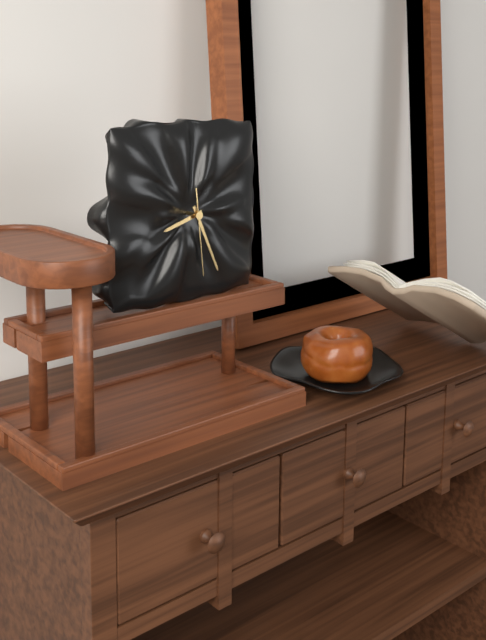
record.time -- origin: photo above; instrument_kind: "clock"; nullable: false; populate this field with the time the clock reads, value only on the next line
8:26:29
